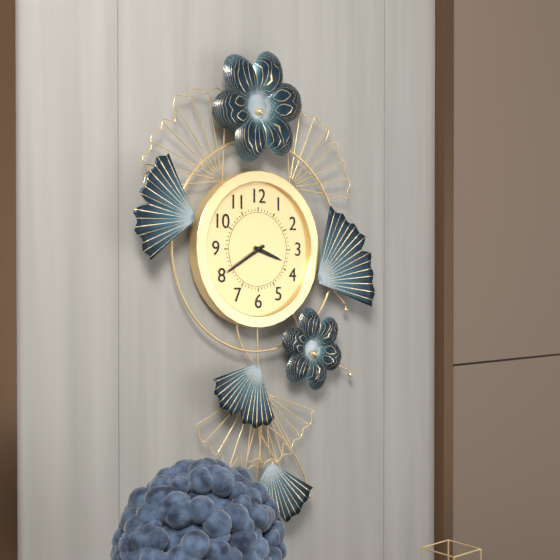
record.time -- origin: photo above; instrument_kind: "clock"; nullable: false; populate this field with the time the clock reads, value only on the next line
3:40
